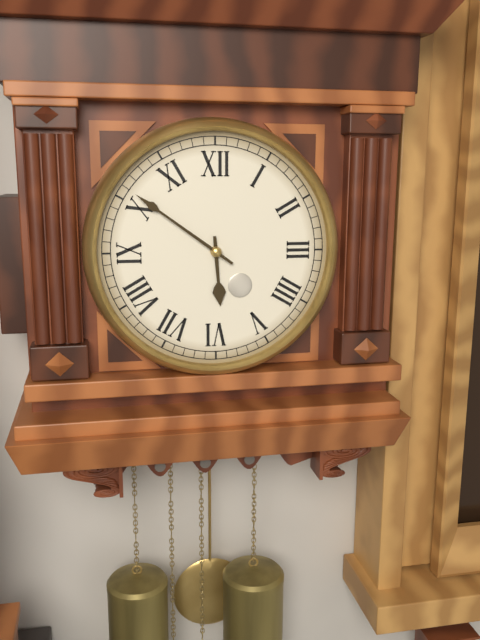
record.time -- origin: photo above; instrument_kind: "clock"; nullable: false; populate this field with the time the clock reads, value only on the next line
5:51
